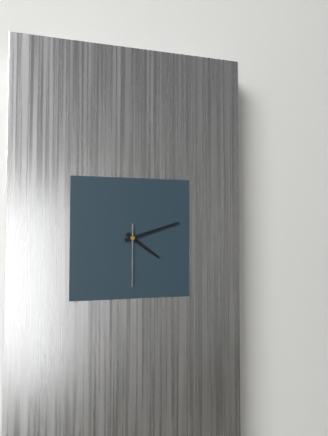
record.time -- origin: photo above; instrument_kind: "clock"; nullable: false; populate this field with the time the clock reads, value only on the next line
4:12:30
